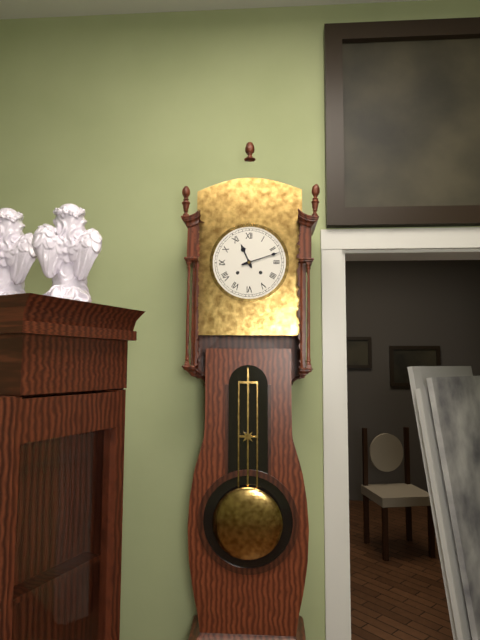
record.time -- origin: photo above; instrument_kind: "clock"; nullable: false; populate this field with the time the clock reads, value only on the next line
11:12
